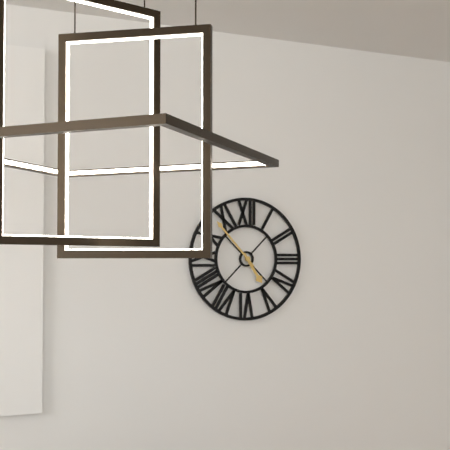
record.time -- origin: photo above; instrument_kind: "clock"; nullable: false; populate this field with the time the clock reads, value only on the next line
4:53
